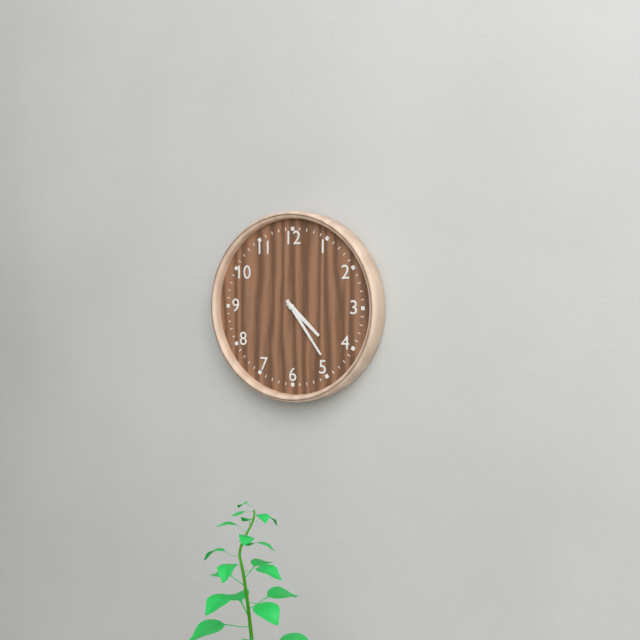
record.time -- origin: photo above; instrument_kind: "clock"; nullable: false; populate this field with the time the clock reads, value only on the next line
4:24
